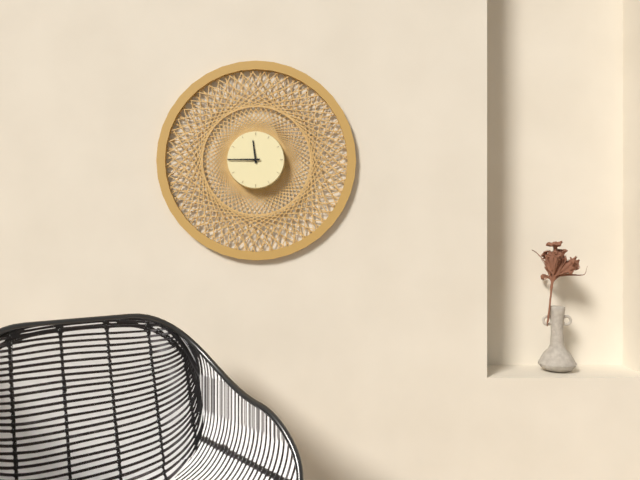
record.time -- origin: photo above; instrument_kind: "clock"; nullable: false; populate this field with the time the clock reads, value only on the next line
11:45
